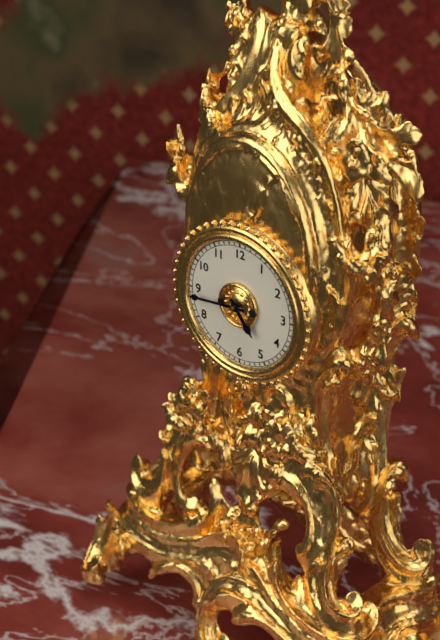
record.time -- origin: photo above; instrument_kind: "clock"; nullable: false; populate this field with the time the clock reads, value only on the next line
4:44
